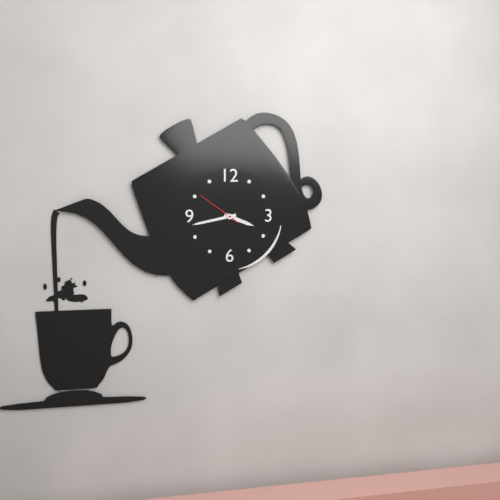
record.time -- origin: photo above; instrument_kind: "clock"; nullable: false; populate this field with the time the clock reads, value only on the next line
3:43
